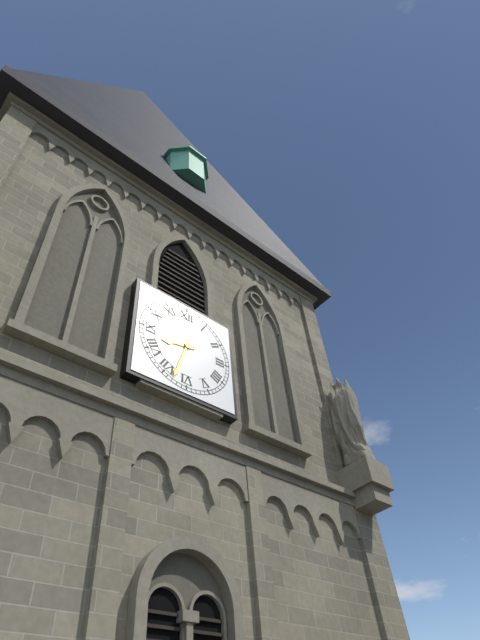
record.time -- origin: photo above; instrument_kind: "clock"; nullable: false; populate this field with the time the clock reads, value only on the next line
8:33
